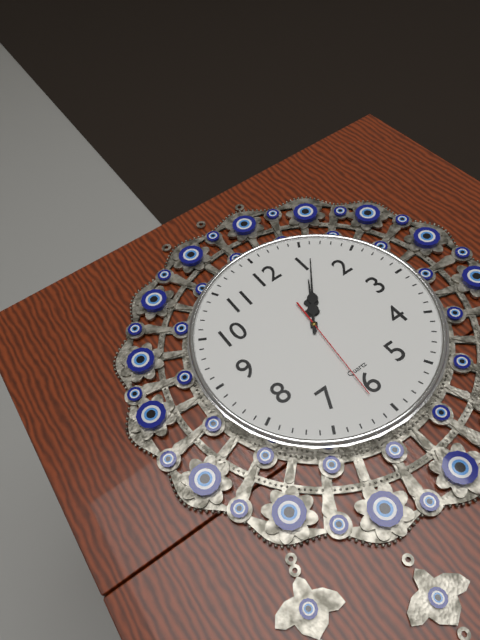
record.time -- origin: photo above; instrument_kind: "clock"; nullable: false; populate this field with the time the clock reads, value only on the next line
1:06:31
